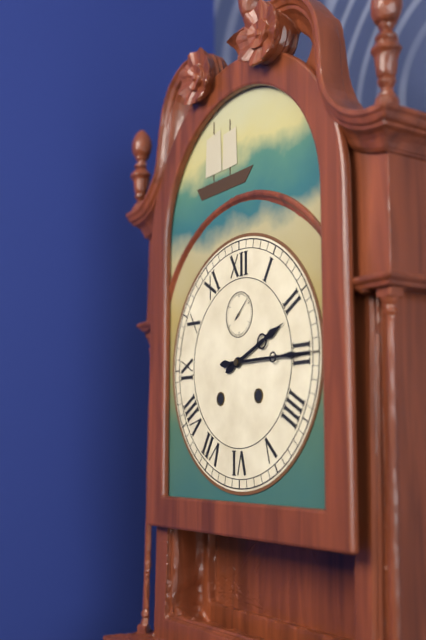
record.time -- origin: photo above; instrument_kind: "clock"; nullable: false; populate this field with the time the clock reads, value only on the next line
2:15
